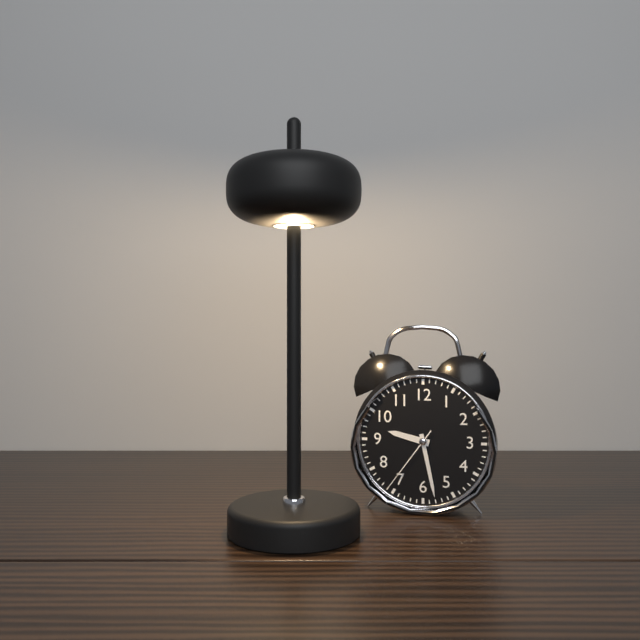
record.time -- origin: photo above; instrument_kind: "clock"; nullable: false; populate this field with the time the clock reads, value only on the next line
9:28:36
